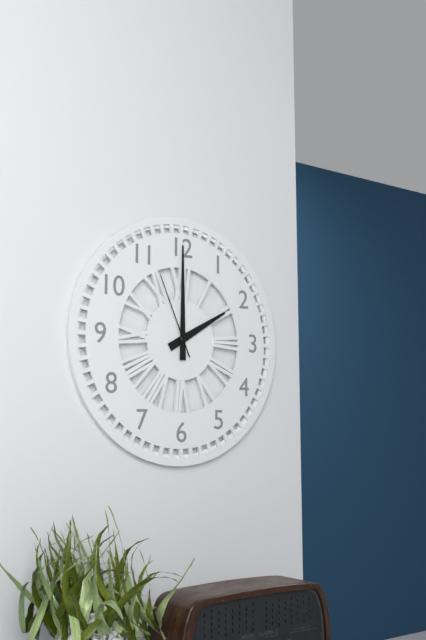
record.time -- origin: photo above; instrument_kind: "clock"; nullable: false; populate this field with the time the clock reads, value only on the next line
2:00:56
